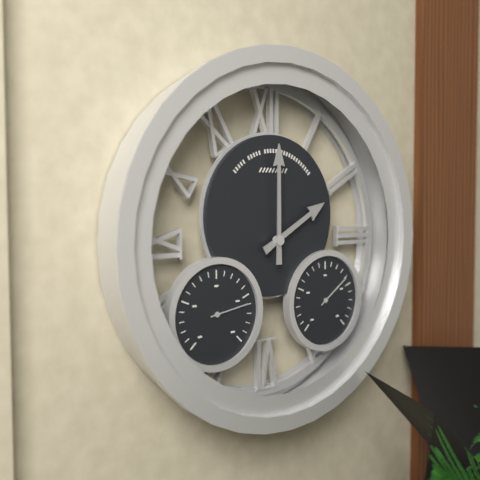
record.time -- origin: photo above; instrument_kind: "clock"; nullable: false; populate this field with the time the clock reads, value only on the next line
2:00
